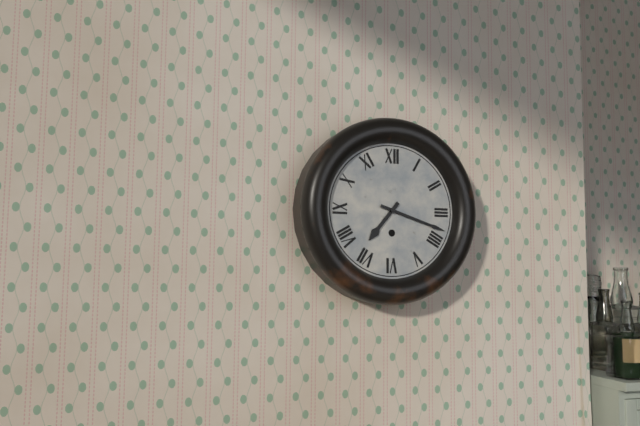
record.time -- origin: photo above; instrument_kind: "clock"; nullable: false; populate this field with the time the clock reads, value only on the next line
7:18
